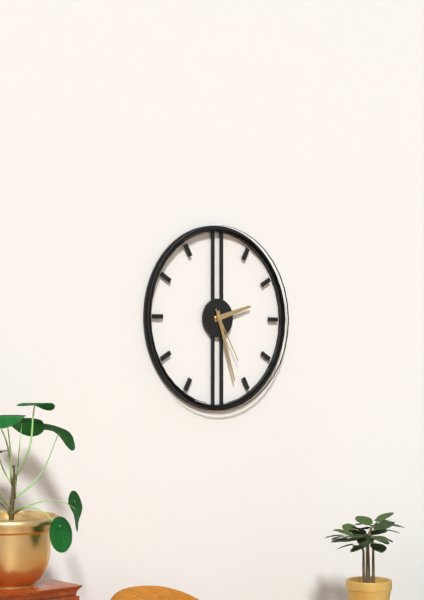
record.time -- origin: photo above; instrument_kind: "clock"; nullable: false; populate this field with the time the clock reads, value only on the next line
2:27:25
